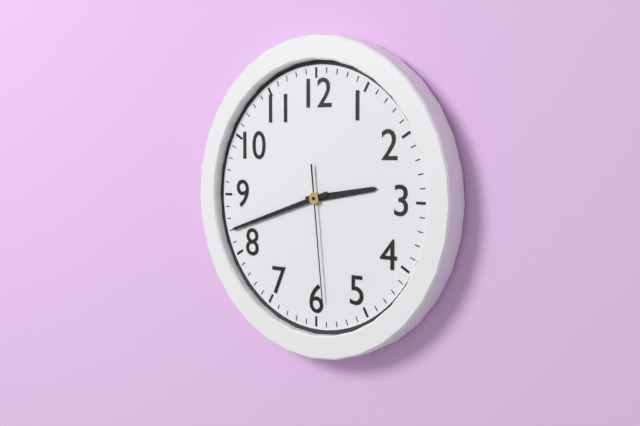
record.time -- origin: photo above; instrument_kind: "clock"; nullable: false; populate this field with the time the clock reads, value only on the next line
2:42:29
